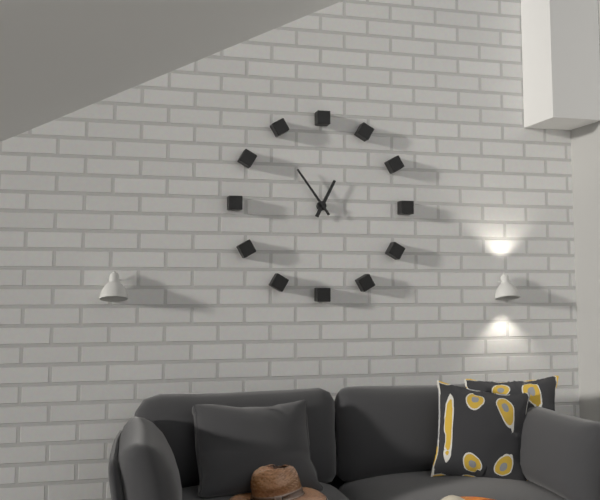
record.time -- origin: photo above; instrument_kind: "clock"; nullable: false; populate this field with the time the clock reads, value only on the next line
12:54
